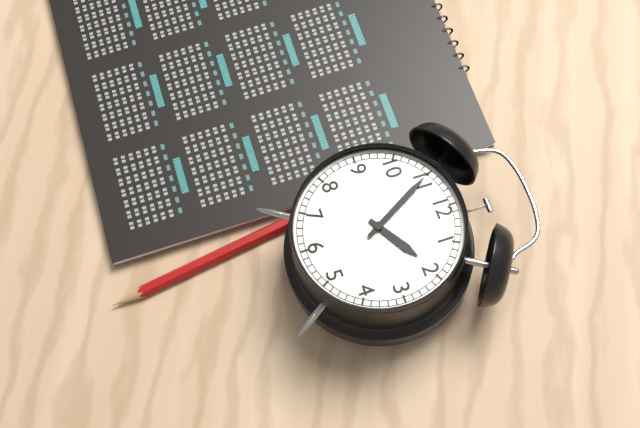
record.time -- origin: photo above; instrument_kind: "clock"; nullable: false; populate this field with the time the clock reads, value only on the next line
1:55
